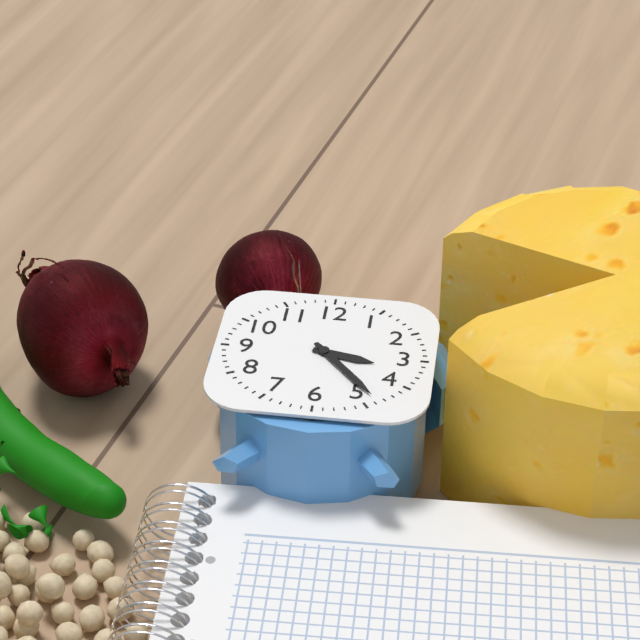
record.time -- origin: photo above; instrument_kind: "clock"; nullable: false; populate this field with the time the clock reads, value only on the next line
3:23
